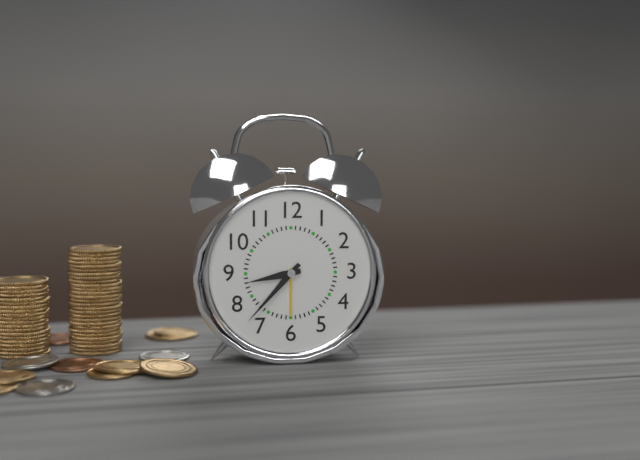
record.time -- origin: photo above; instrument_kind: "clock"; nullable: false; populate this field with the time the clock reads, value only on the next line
8:37
